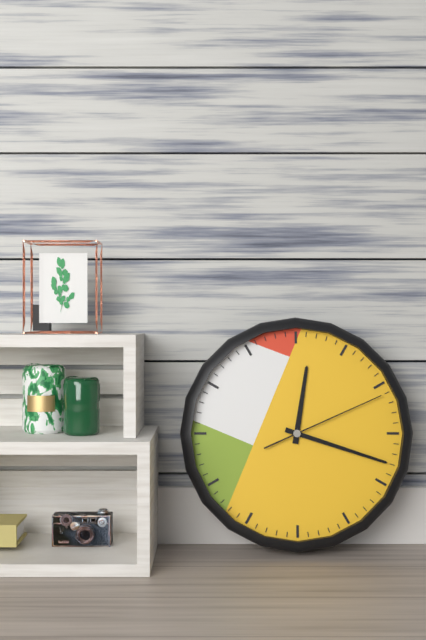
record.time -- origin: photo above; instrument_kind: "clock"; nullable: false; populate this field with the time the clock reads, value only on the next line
12:18:11
